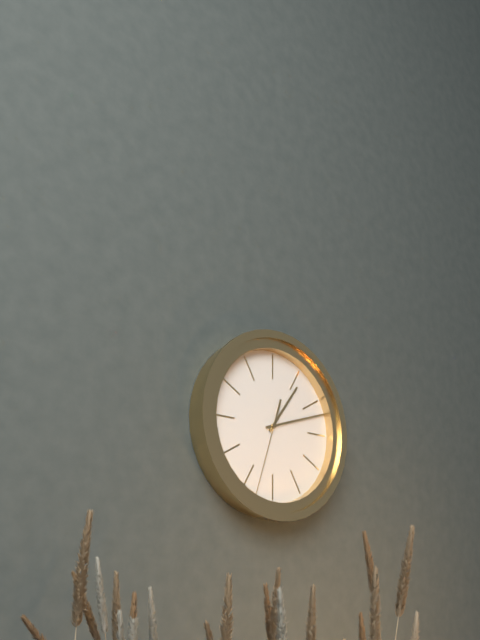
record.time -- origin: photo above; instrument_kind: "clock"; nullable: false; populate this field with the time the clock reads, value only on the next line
1:12:33
